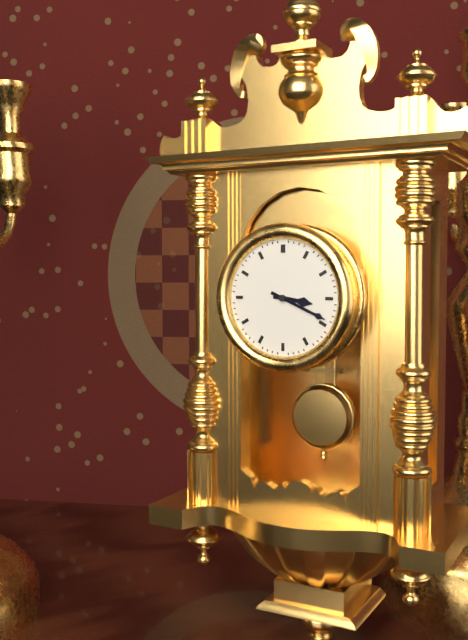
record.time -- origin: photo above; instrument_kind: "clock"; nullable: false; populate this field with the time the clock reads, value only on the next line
3:19
